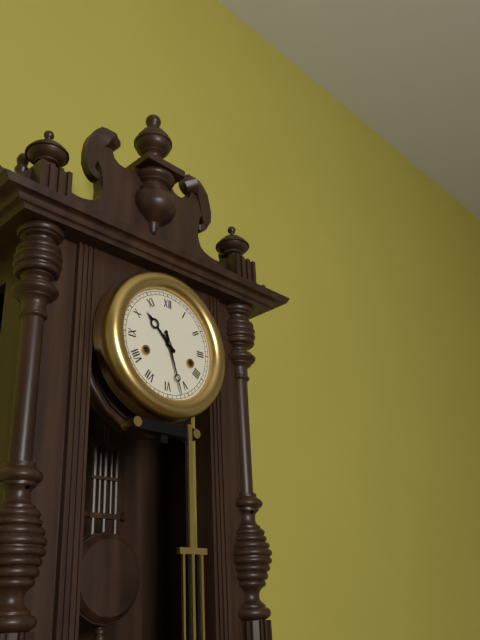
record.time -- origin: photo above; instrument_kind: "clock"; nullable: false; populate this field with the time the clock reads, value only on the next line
10:27
